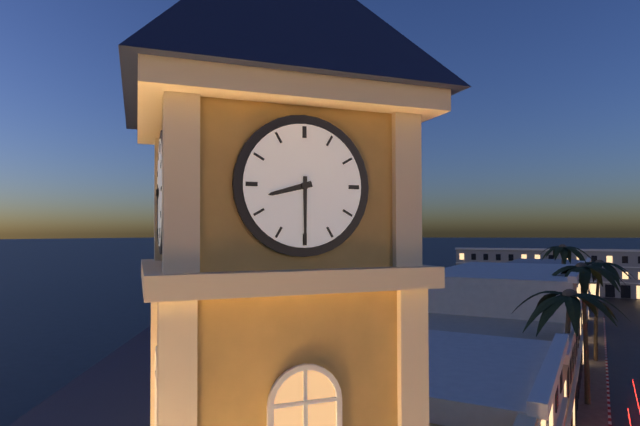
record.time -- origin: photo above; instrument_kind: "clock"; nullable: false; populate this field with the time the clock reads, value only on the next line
8:30
